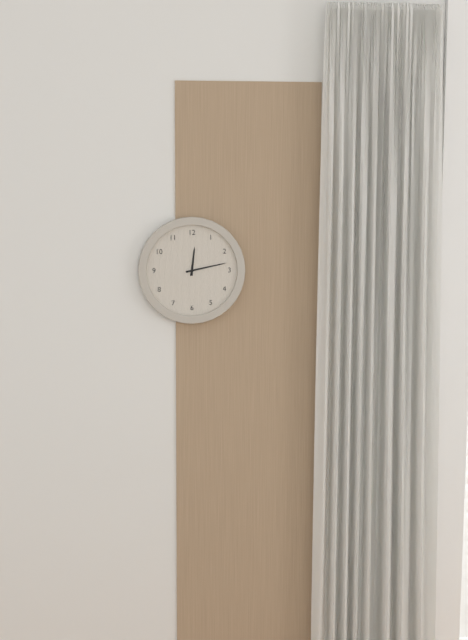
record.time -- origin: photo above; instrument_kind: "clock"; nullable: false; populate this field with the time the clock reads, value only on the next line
12:13
